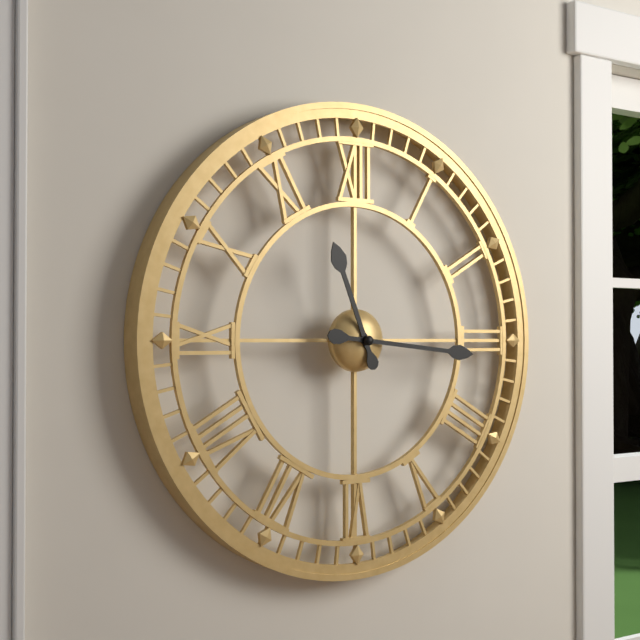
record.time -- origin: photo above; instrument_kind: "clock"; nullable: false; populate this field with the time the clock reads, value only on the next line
11:16
